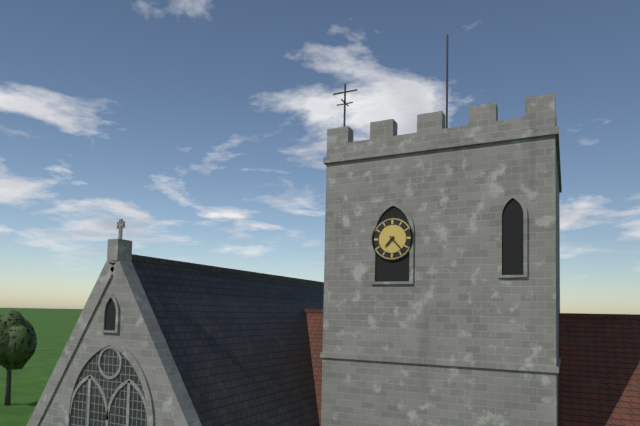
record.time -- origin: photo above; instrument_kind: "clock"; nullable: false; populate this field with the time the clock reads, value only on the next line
7:23
